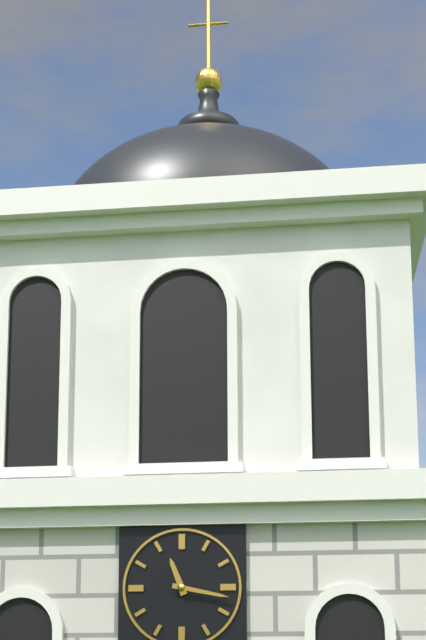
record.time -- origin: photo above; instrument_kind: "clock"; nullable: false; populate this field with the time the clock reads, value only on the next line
11:17
